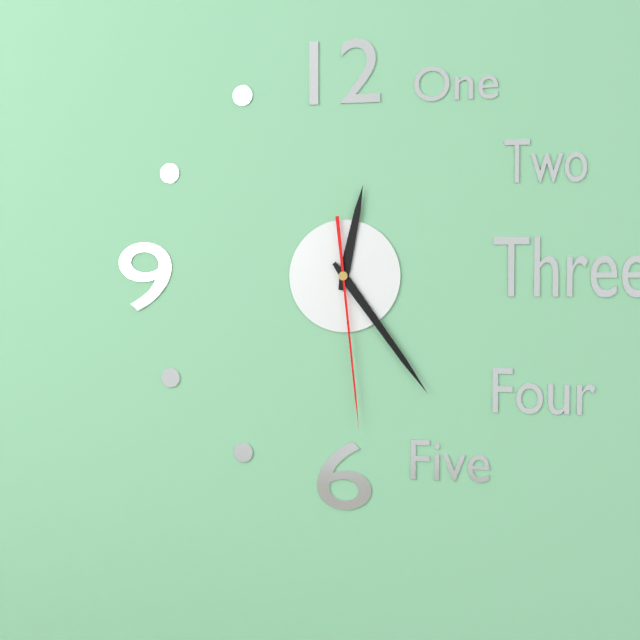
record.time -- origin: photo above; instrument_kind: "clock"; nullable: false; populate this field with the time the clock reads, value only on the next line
12:24:29
